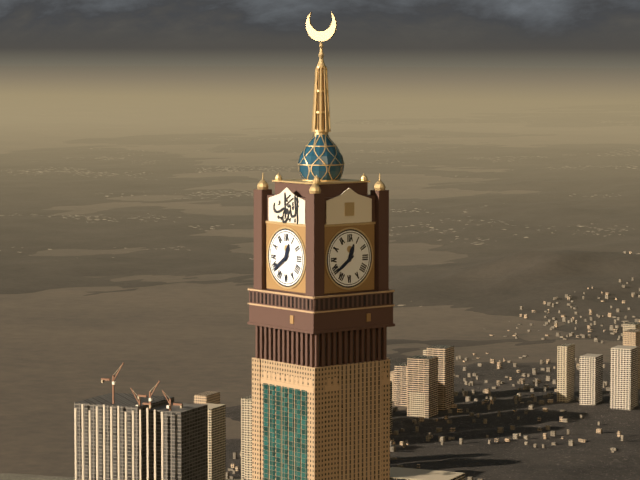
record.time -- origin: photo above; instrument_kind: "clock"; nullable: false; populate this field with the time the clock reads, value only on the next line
12:39
